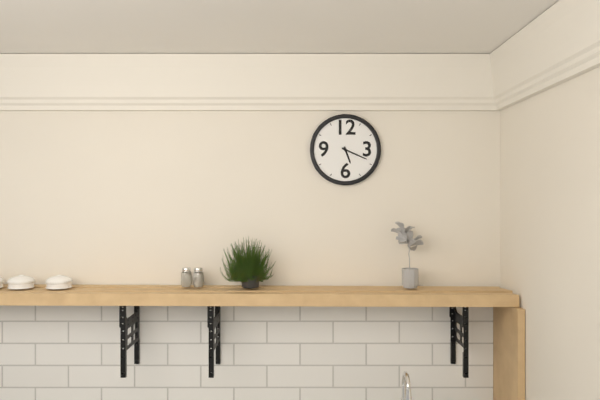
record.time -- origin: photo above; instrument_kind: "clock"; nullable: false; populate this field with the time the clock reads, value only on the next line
5:19
